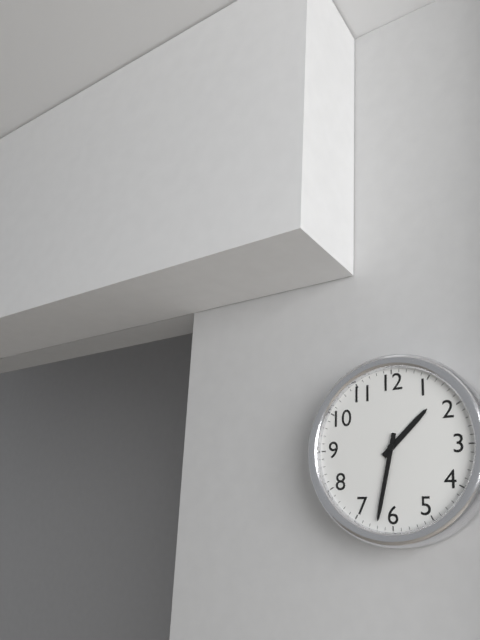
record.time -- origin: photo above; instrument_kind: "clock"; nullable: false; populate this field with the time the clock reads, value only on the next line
1:32
